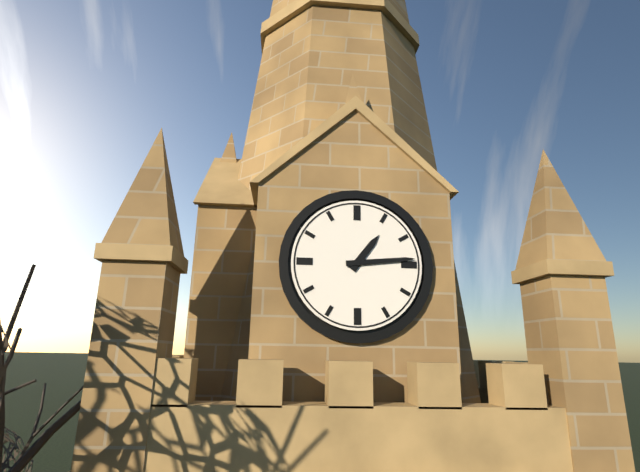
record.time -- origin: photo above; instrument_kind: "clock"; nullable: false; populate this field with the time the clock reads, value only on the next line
1:14
